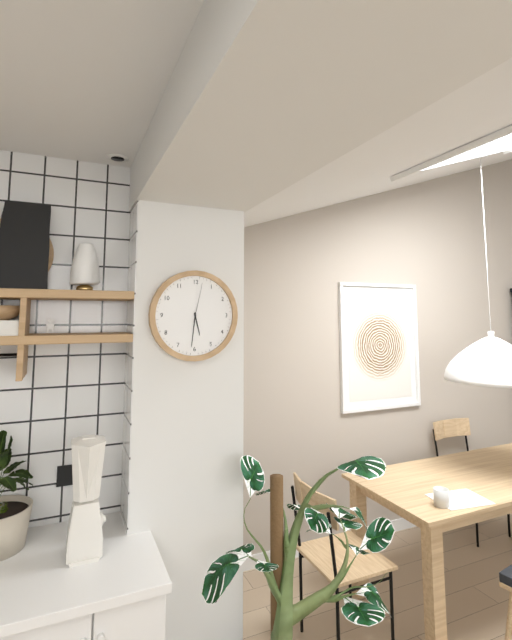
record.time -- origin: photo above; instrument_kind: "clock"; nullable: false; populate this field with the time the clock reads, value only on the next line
5:31
